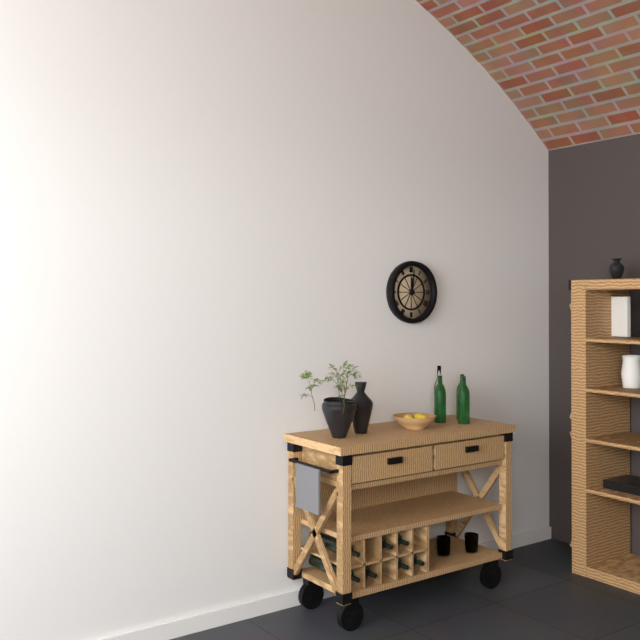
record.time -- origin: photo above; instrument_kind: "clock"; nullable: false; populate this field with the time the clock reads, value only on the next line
12:01
